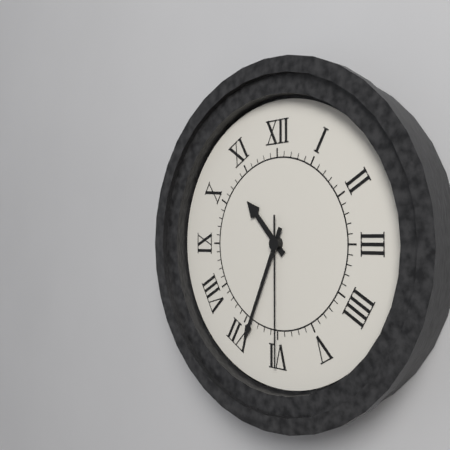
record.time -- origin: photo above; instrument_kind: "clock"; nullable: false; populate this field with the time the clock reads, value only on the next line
10:34:30
